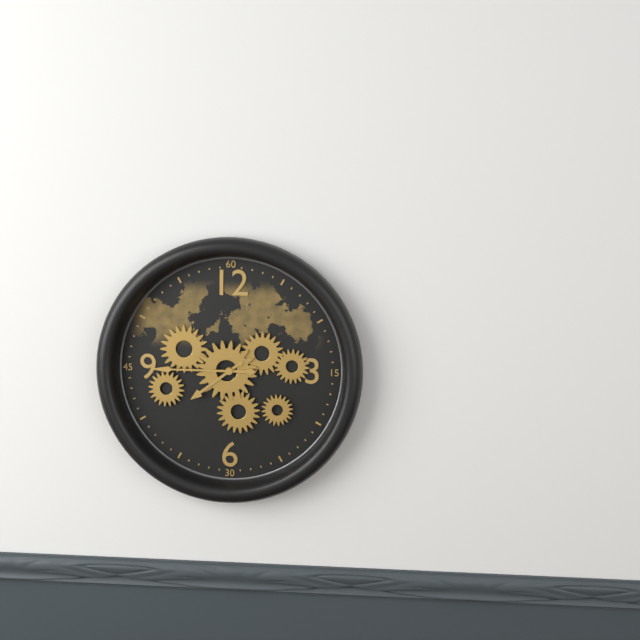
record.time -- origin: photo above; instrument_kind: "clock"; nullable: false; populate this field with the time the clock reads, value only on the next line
7:45
